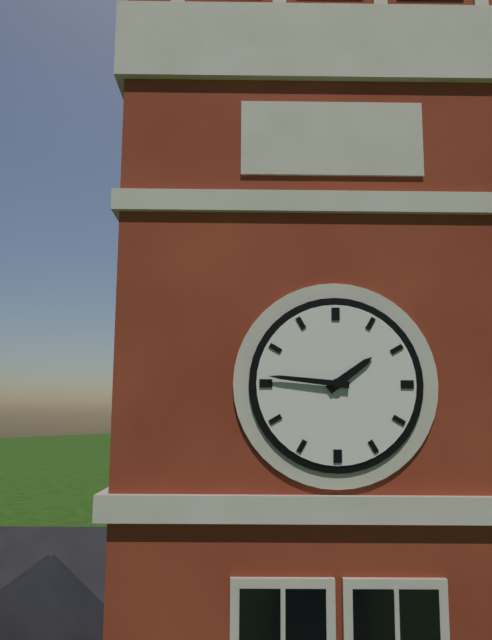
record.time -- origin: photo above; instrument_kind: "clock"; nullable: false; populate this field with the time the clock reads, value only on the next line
1:46
